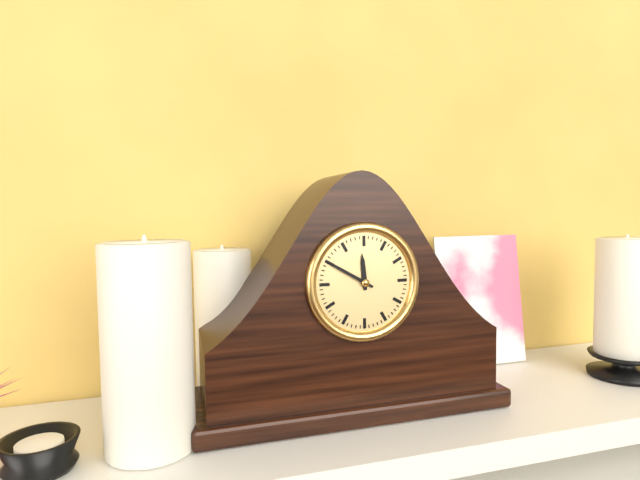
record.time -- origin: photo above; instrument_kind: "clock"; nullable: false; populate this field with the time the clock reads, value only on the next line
11:50
